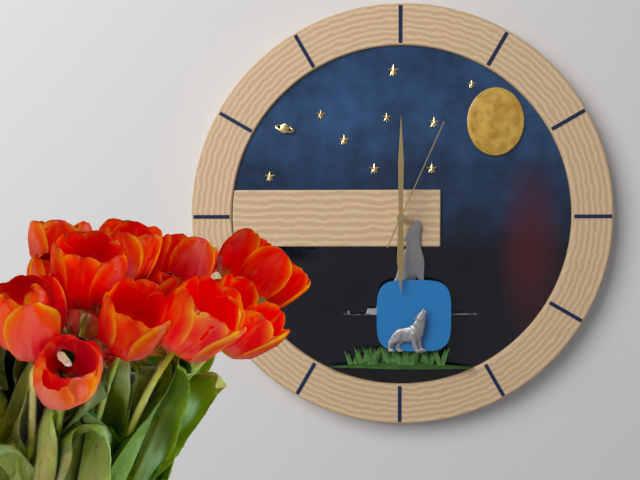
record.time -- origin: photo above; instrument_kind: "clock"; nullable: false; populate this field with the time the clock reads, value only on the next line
6:00:04
